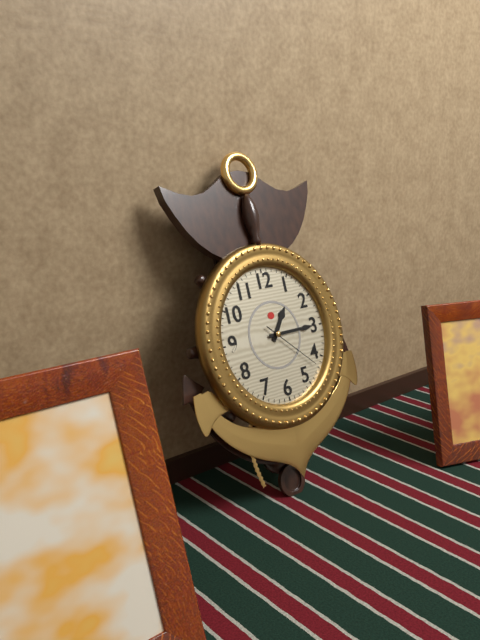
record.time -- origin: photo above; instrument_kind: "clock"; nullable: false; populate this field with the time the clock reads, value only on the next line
1:15:22
